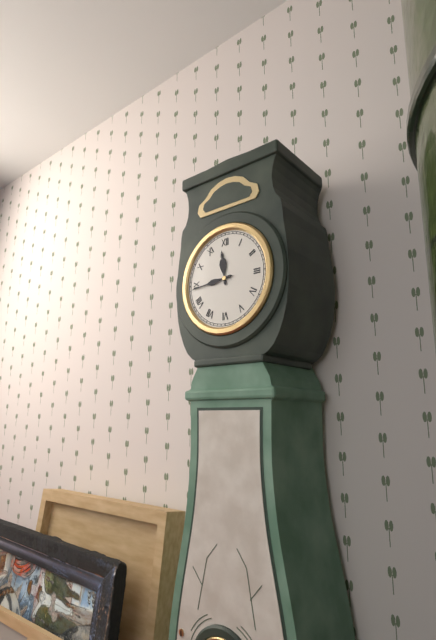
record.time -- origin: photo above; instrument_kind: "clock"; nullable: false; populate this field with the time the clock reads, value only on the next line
11:44
